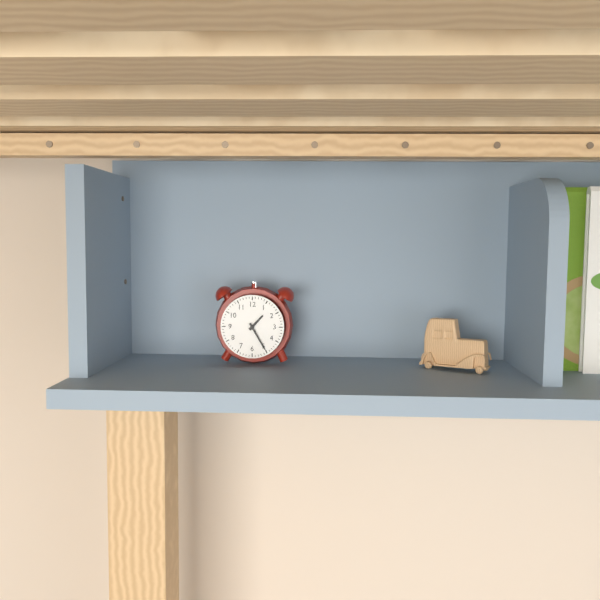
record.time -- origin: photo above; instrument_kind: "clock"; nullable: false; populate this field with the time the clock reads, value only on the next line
1:25
